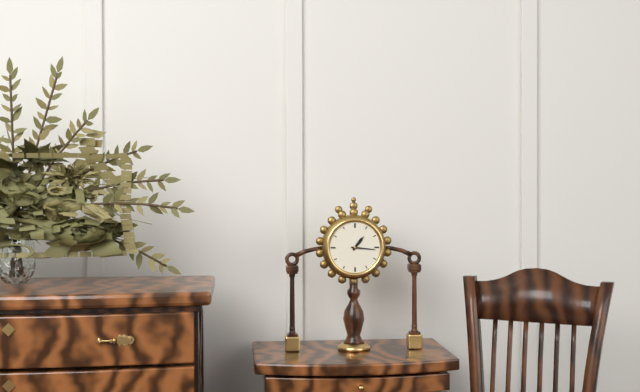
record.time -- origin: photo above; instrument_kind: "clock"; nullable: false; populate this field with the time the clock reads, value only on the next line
1:16
